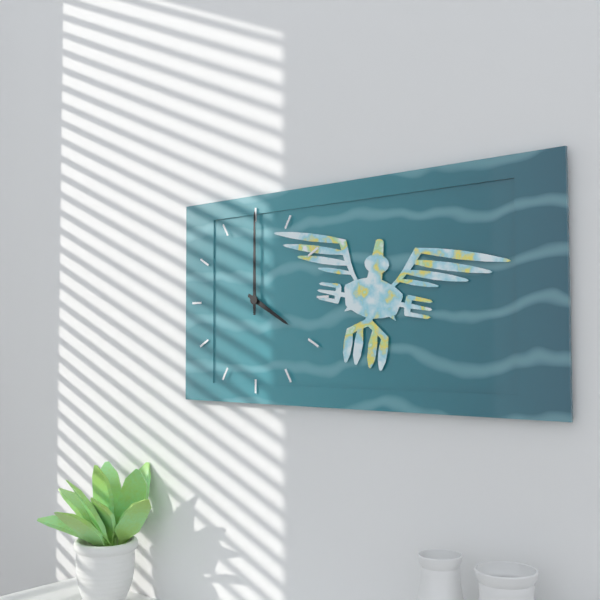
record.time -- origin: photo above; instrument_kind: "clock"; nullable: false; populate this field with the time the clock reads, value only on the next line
4:00
